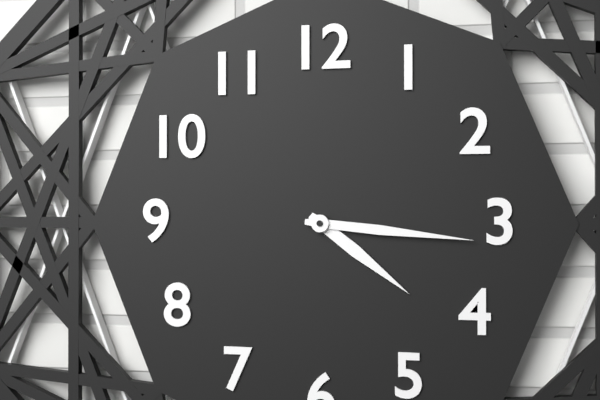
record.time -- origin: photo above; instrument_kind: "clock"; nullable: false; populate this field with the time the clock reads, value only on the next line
4:16
